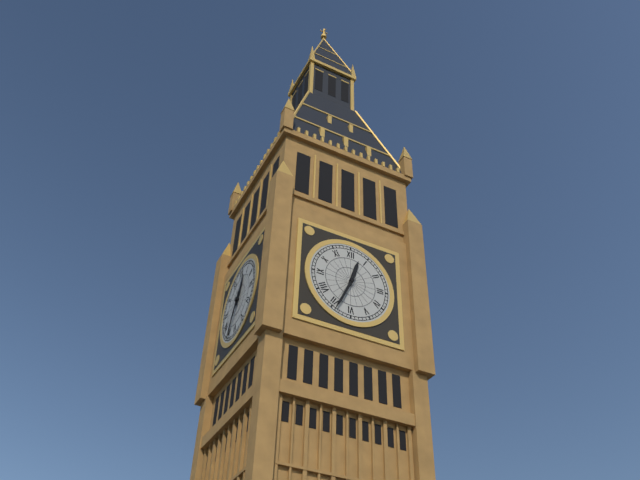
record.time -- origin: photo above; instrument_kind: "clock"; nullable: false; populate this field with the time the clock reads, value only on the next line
12:34
